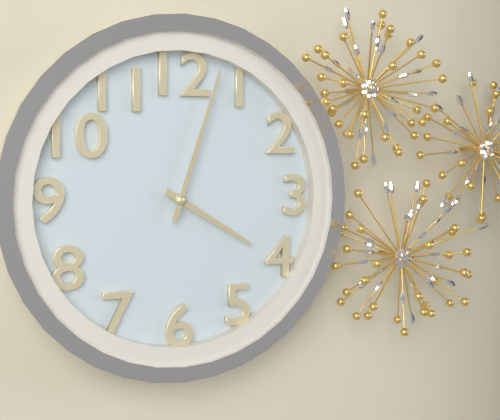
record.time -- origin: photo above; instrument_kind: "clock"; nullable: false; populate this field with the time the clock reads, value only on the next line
4:03
